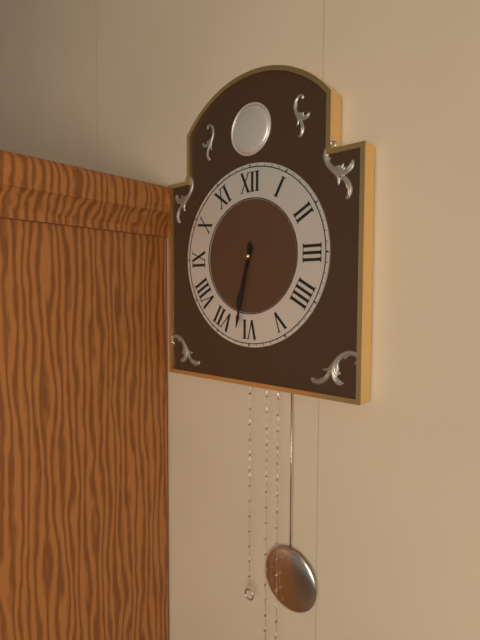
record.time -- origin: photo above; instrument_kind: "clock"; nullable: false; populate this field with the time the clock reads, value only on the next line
6:32
